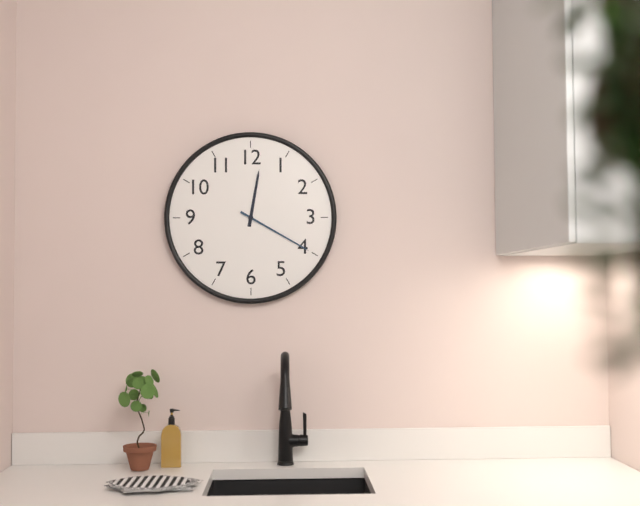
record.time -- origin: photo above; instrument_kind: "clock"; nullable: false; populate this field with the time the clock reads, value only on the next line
12:20
